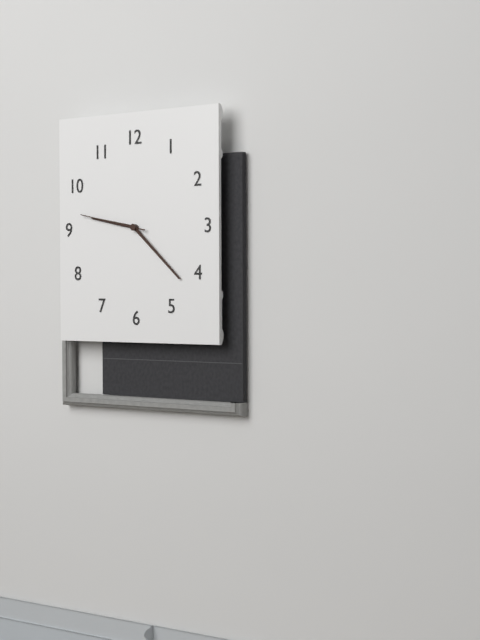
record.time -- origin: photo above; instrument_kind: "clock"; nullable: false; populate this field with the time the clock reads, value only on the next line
9:22:47
